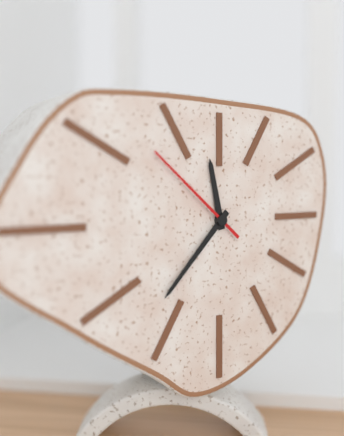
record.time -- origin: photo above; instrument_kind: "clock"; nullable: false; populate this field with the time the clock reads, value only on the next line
11:37:52
